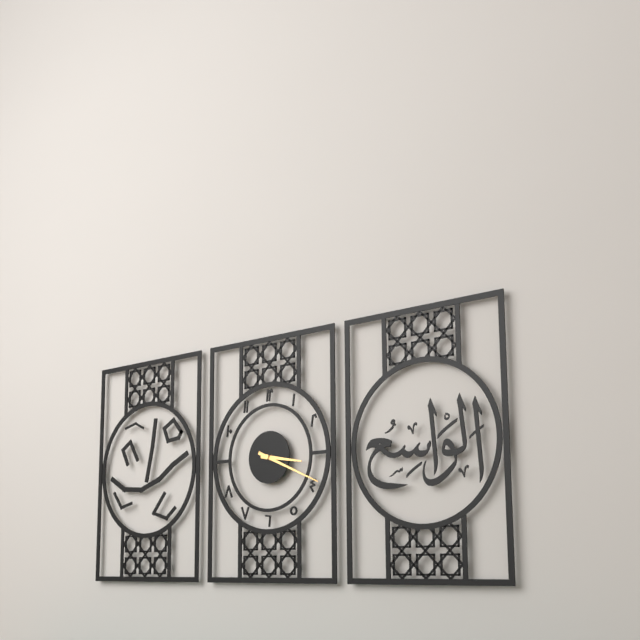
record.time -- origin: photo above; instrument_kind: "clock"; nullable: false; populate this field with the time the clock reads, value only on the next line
3:19
